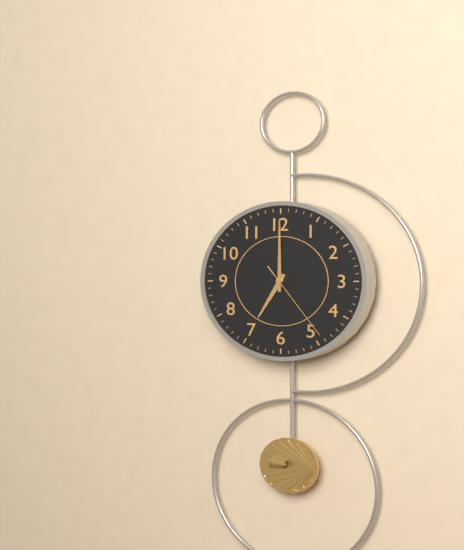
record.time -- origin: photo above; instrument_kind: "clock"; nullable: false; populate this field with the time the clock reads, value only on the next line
7:00:24
